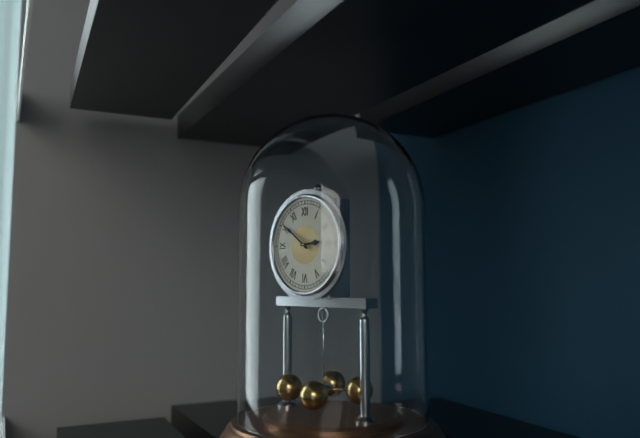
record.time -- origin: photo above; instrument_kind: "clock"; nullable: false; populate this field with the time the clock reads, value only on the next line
2:51
